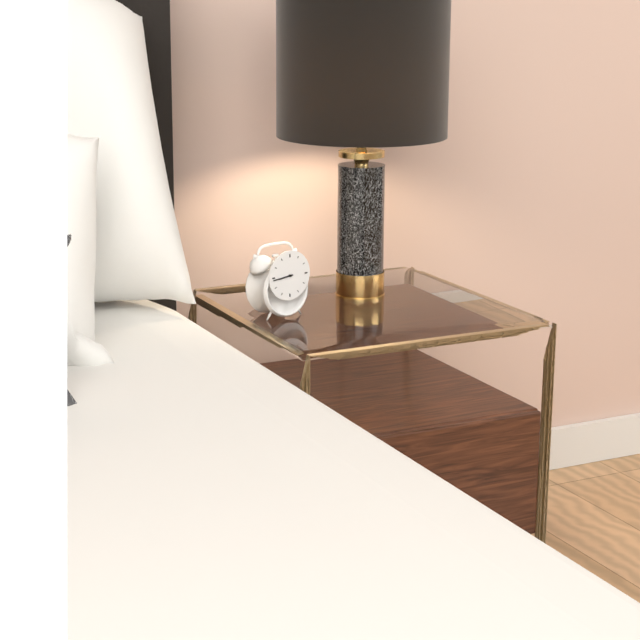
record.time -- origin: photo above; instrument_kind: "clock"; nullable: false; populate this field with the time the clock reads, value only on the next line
8:44
